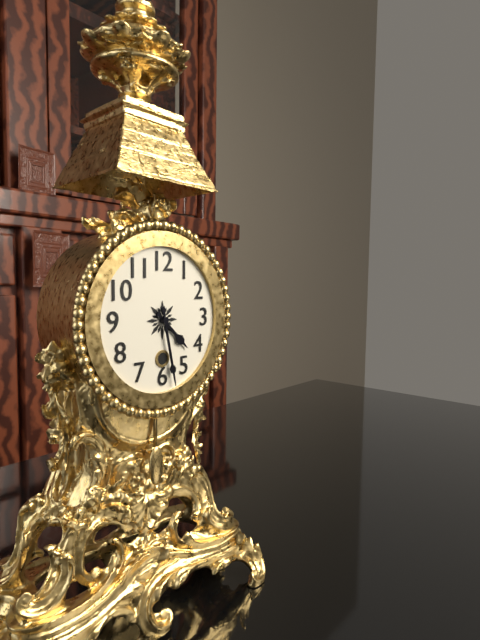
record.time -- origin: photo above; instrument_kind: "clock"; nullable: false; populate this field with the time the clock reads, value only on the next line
4:28
